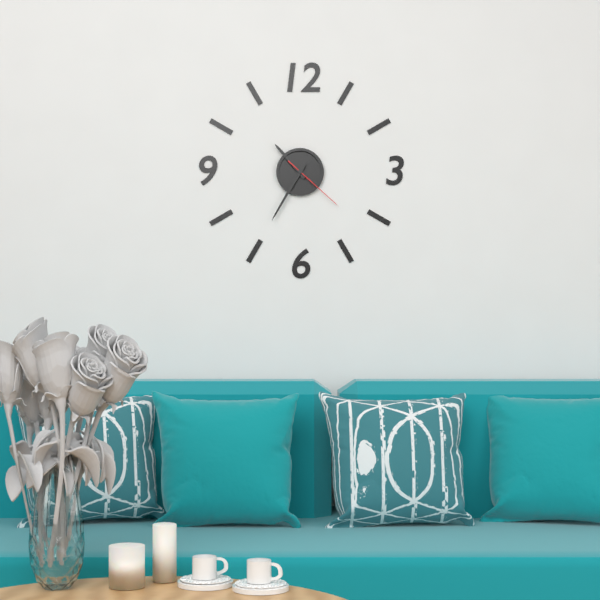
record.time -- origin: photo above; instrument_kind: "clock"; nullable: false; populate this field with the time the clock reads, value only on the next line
10:35:22
